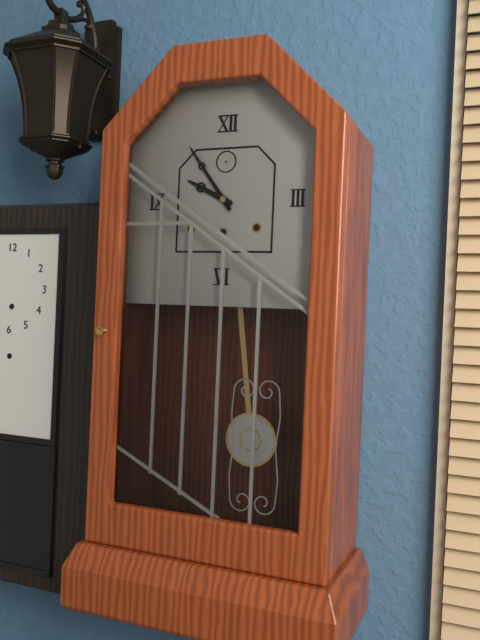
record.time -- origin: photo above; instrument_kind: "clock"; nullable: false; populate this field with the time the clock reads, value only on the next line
9:54
